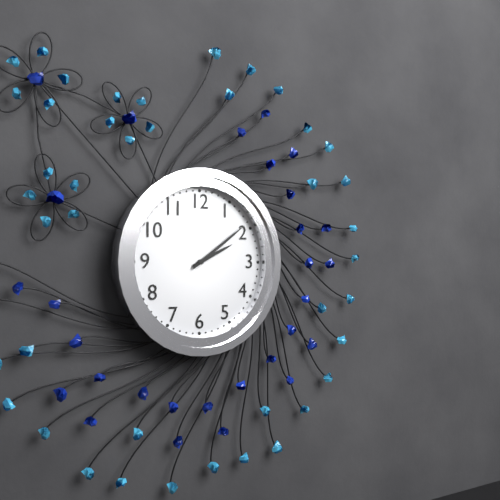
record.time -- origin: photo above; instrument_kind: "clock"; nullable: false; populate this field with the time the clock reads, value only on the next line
2:09
